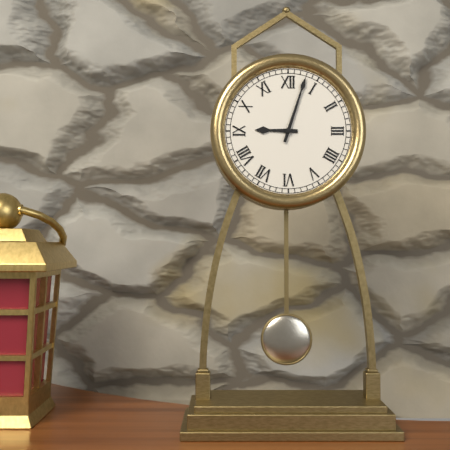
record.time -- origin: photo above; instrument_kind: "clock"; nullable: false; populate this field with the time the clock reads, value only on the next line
9:03
